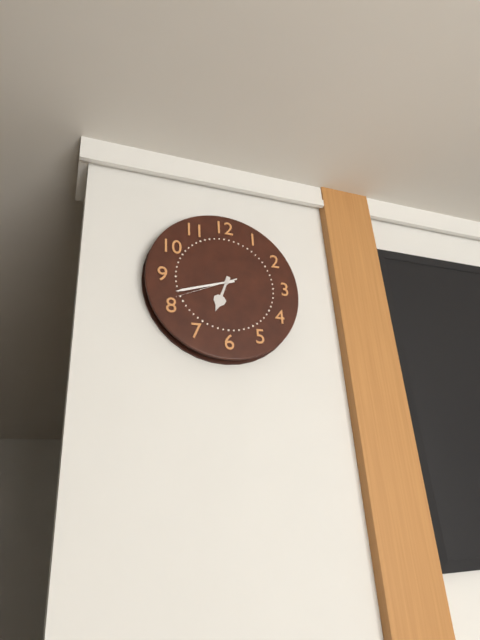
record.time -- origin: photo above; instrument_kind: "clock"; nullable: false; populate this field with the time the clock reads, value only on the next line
6:42:41
